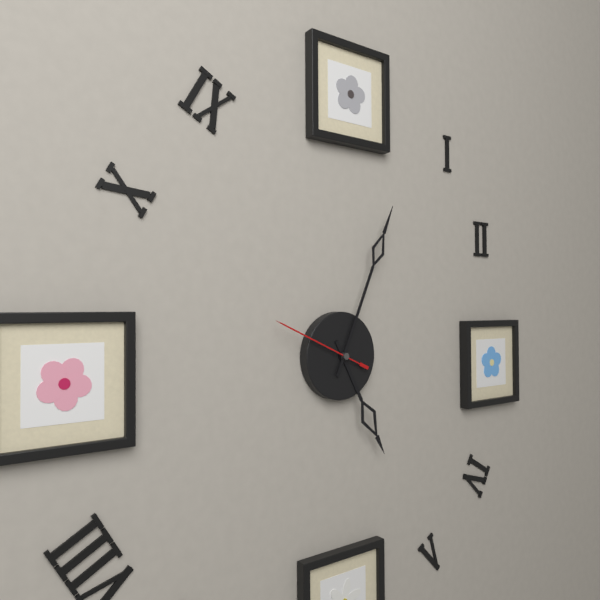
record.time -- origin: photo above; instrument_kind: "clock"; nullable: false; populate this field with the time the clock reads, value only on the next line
5:04:49
